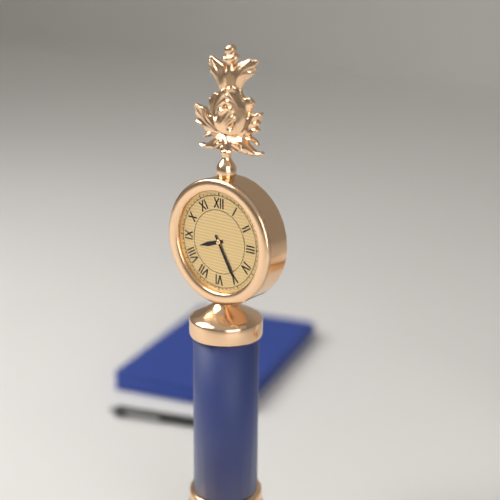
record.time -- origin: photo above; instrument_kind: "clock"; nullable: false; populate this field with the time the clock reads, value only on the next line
8:25
